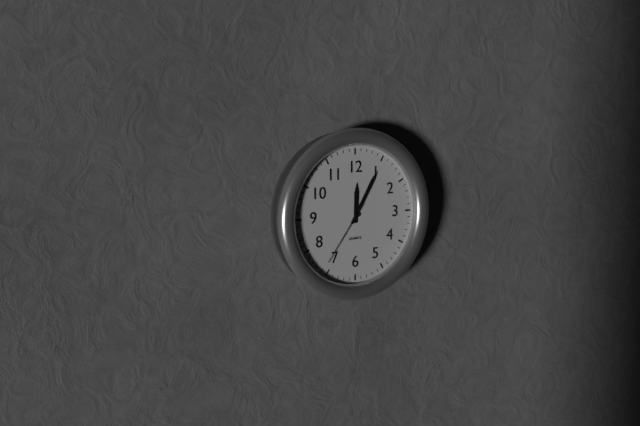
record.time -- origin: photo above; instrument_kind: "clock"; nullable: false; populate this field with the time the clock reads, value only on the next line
12:05:36
